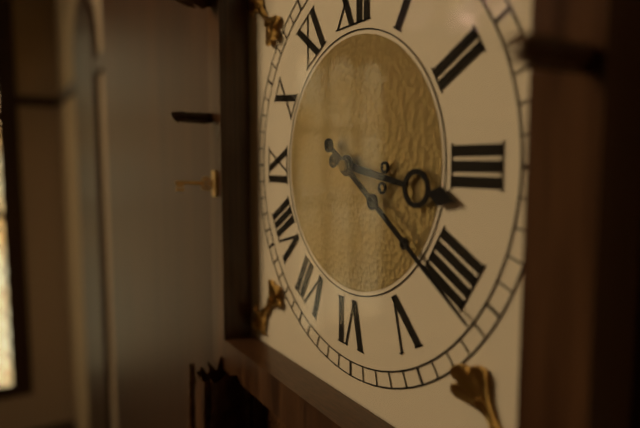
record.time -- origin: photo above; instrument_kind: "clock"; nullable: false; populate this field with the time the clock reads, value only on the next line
3:21
